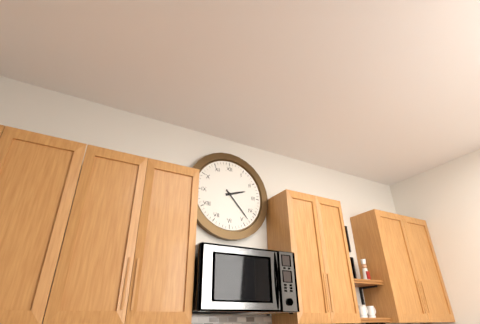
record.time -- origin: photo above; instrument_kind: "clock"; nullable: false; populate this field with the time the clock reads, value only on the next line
2:23
